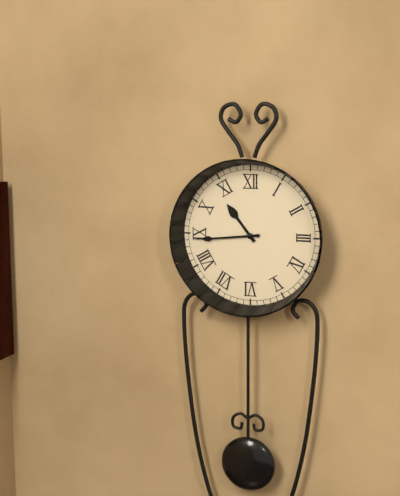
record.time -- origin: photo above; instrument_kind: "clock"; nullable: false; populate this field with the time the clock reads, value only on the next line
10:44
